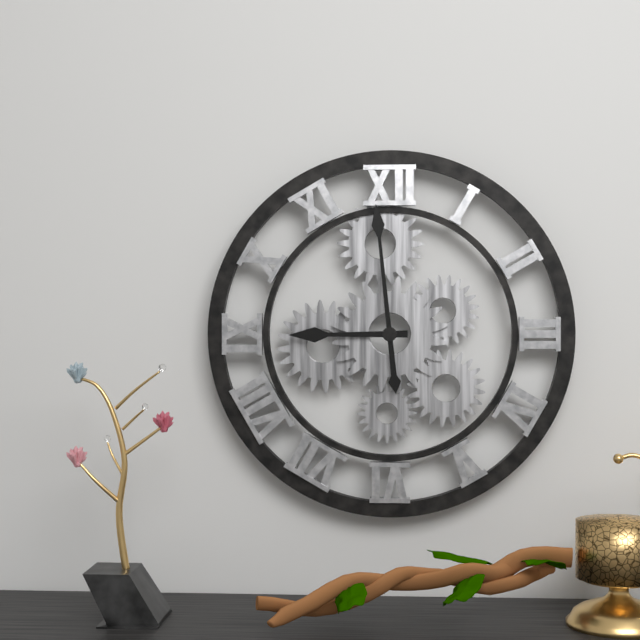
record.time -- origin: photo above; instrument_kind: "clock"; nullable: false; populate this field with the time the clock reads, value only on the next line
8:59
